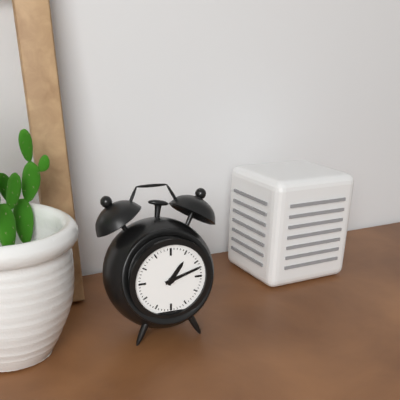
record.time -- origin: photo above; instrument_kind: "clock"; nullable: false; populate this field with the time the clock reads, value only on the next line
1:12
